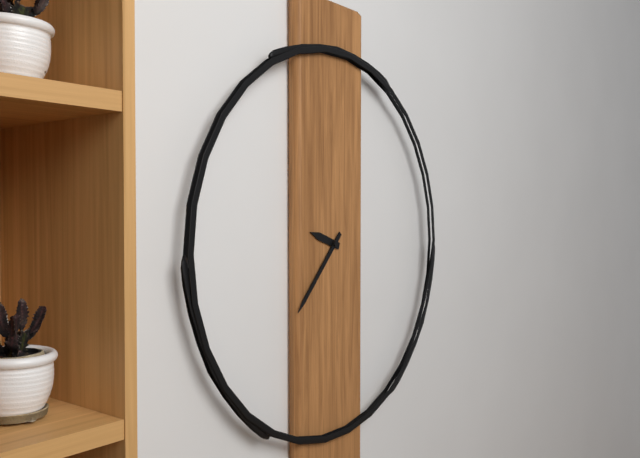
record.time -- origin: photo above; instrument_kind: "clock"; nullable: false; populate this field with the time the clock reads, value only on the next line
9:37
